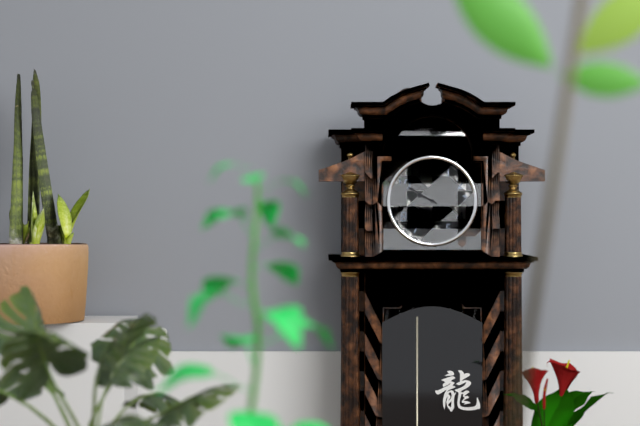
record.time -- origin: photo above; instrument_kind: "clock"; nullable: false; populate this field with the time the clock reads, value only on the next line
9:50
